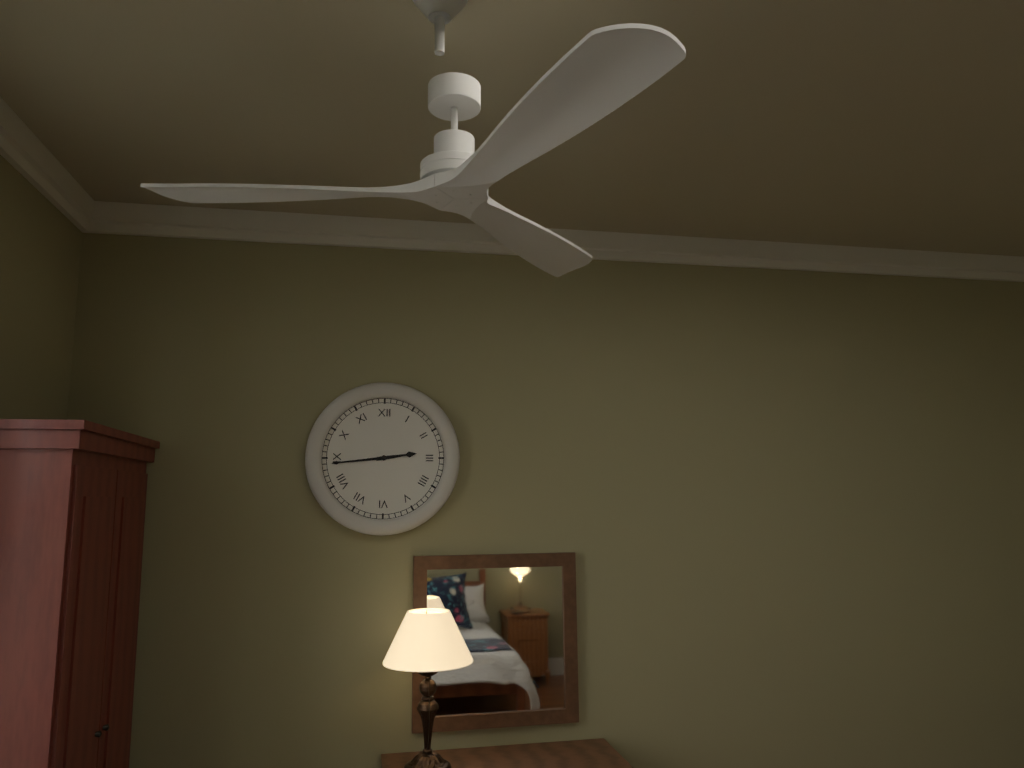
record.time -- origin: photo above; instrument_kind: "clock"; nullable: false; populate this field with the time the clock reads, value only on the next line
2:44
